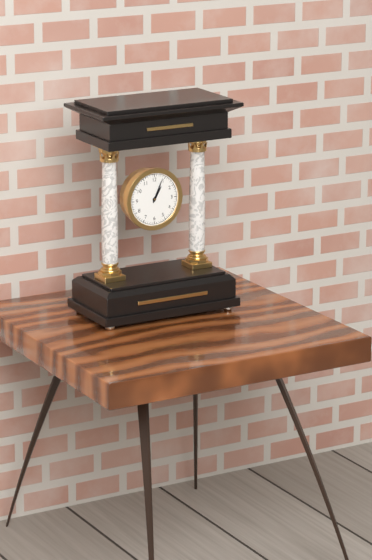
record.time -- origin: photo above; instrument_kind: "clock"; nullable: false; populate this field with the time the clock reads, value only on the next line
1:04
